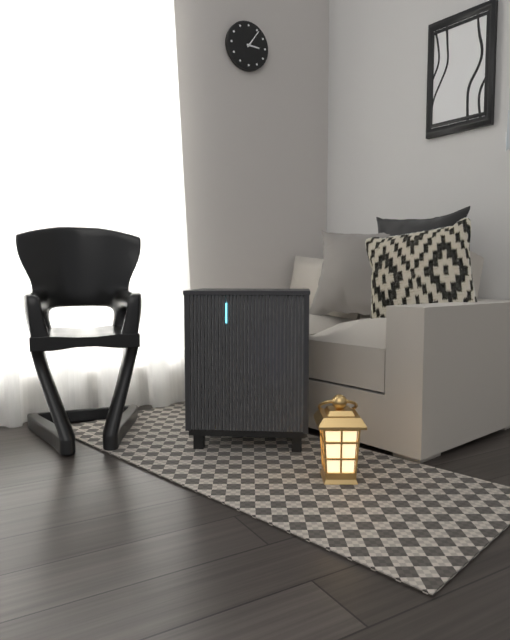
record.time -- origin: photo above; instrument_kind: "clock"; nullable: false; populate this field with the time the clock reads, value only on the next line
3:06
